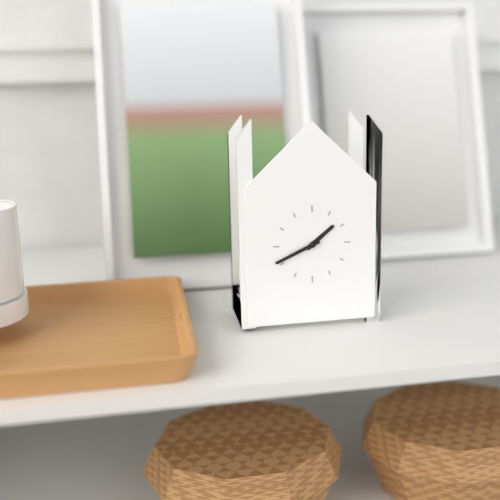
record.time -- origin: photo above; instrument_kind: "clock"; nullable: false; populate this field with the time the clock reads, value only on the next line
1:41
